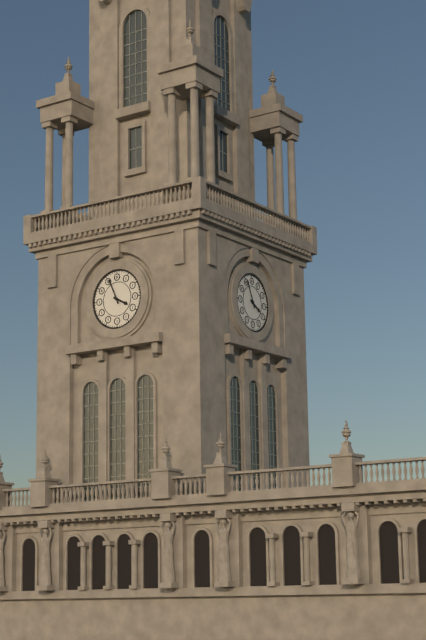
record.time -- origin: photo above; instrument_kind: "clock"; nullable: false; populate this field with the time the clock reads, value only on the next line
3:56
